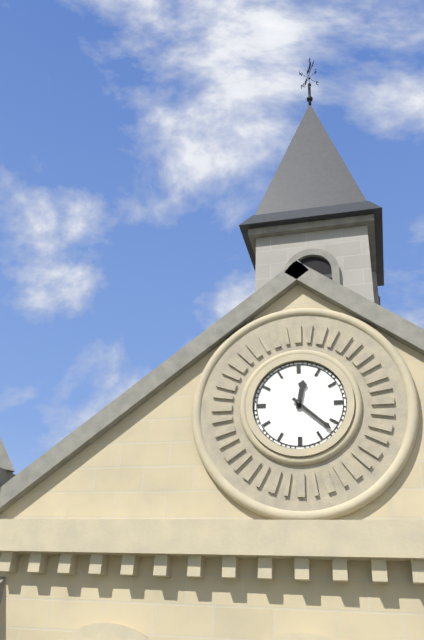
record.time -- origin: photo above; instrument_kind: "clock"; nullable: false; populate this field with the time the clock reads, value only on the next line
12:22
